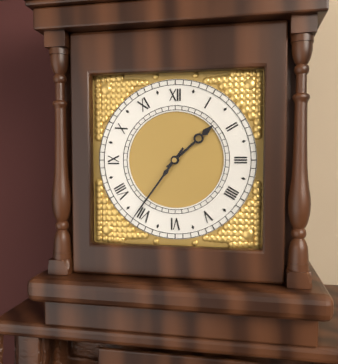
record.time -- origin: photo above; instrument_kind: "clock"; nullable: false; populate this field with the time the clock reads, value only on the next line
1:36
